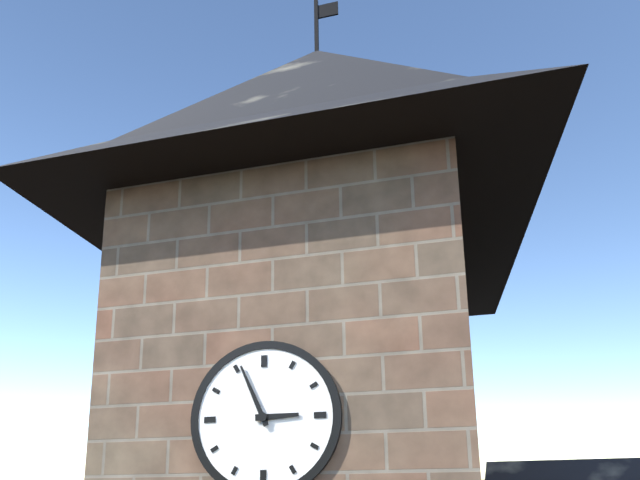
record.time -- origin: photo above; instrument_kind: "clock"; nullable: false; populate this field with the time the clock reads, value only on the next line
2:56
